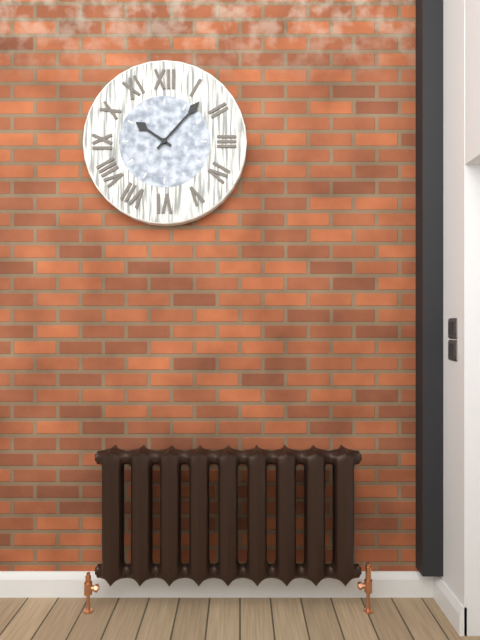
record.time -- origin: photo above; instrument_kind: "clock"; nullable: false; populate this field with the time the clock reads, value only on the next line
10:07
